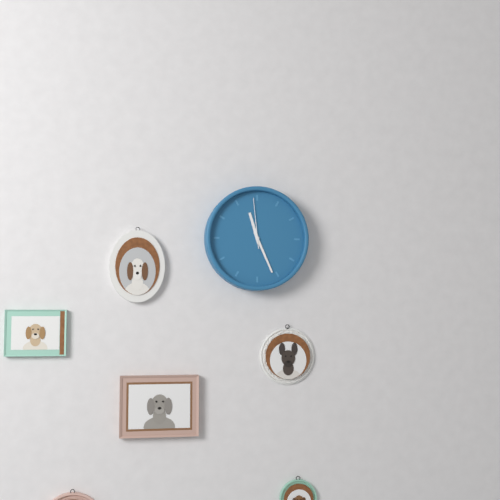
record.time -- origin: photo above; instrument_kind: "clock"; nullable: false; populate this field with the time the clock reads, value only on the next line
11:26:59
